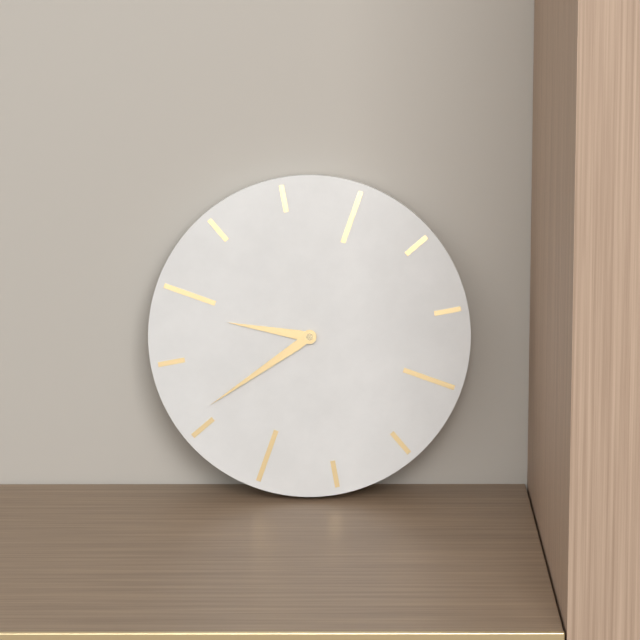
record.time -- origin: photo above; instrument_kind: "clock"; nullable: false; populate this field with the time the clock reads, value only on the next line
9:41
